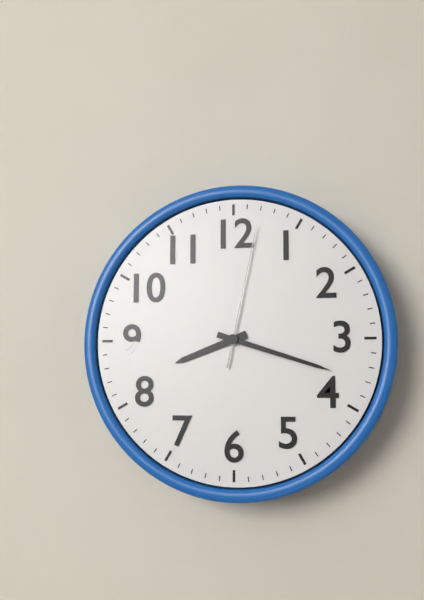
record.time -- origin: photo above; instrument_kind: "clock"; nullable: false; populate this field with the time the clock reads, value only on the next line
8:18:02
